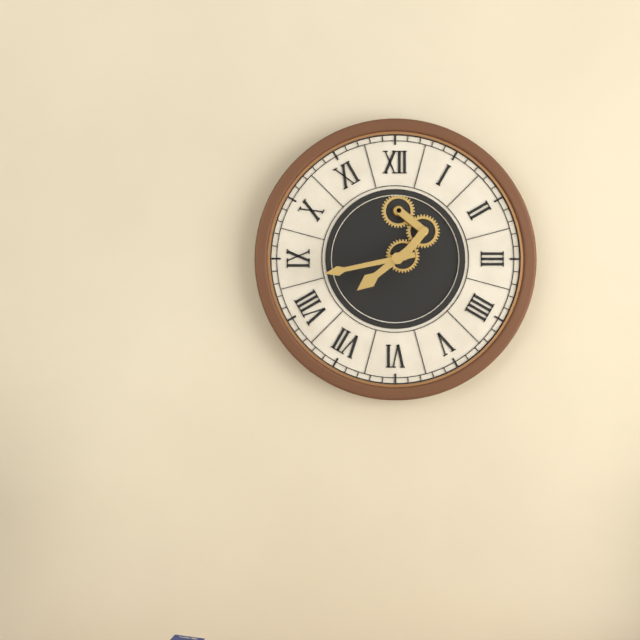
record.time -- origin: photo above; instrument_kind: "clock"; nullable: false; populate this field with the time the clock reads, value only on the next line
7:43
